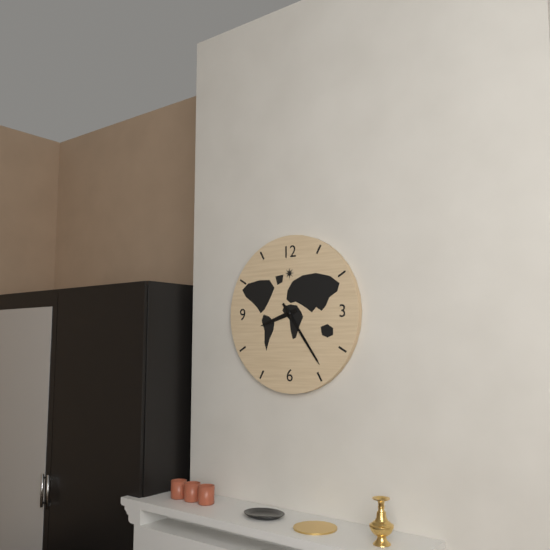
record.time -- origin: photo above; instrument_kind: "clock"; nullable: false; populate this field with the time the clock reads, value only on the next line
8:24
